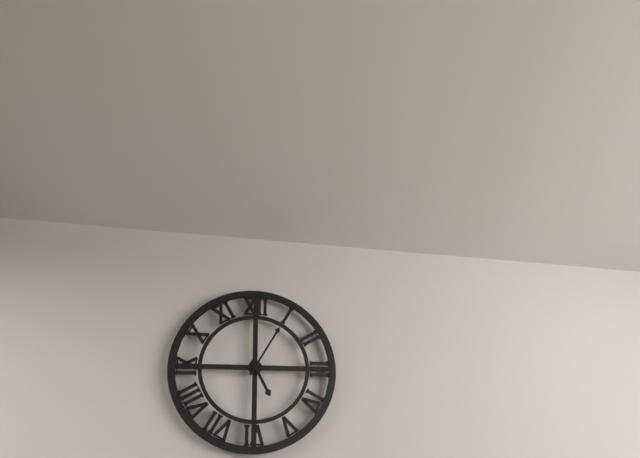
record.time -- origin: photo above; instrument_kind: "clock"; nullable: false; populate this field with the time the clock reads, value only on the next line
5:05
